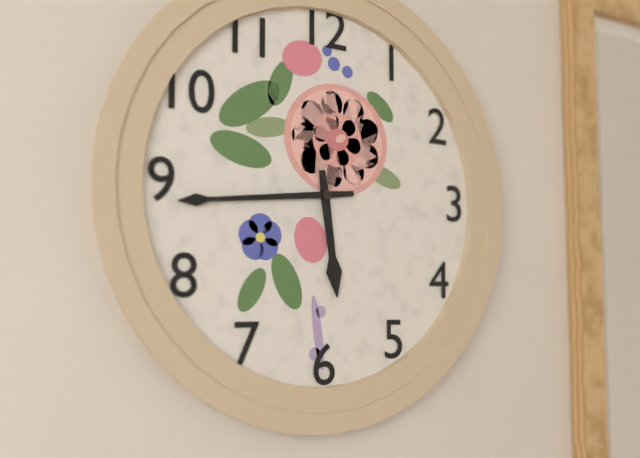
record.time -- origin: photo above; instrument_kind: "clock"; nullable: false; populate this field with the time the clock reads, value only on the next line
5:44
